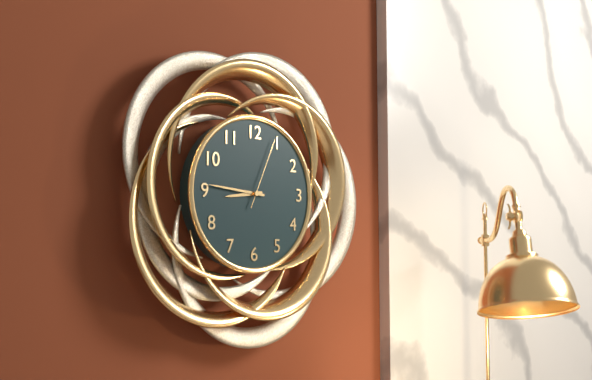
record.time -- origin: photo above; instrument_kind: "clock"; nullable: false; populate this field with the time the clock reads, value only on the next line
8:46:04
